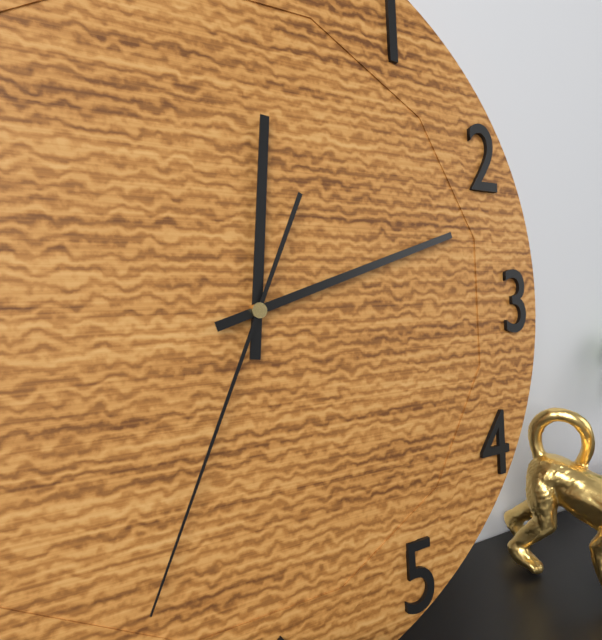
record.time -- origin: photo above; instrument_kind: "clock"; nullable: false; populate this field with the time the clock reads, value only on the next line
12:12:34
